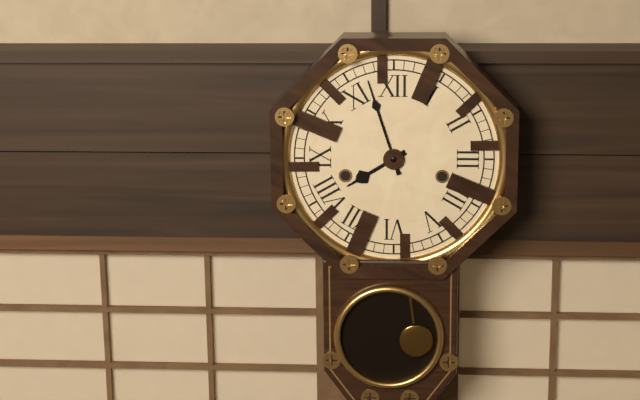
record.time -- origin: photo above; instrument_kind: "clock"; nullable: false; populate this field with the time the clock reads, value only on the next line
7:57
